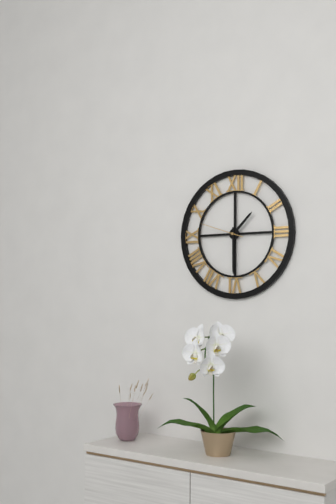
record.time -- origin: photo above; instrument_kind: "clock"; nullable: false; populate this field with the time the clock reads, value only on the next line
1:30
